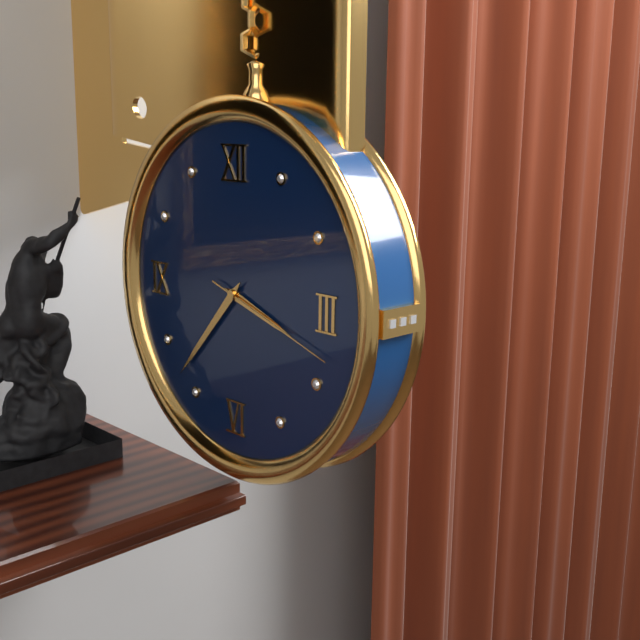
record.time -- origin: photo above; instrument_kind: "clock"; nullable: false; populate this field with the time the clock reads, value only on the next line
3:37:18
